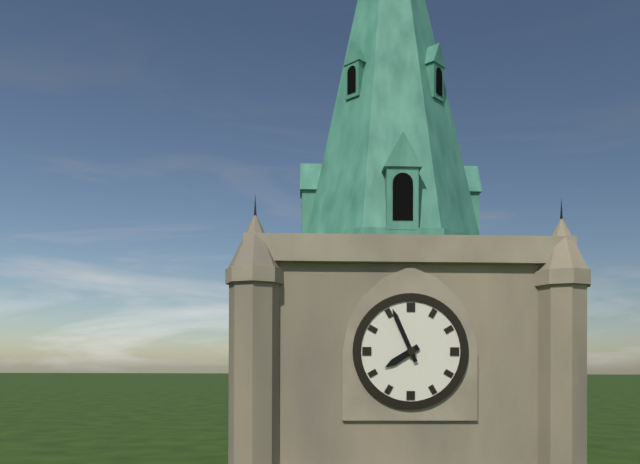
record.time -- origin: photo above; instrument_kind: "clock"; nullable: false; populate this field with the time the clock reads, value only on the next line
7:56
